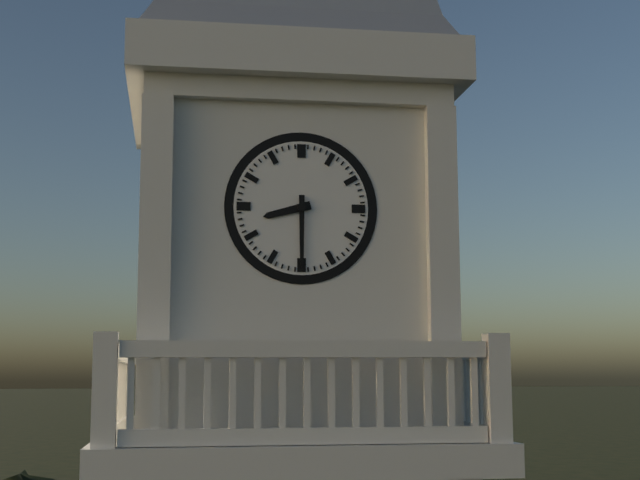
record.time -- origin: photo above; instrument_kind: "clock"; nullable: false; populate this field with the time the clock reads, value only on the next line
8:30
